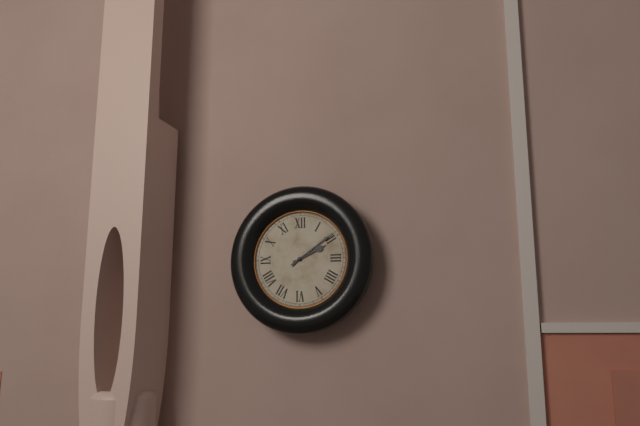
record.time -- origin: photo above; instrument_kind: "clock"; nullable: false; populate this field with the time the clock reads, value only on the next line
2:09
